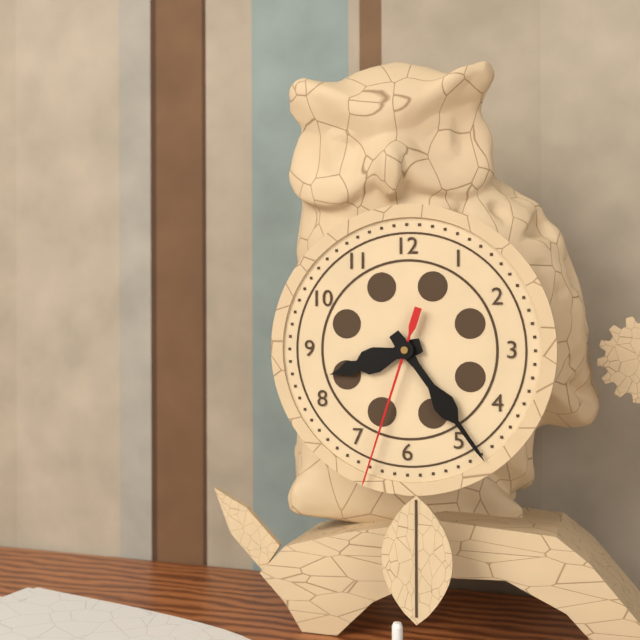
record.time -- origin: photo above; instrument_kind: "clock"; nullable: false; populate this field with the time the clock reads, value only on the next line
8:24:33
